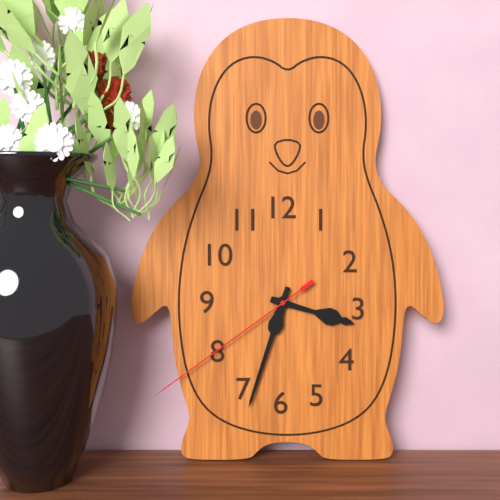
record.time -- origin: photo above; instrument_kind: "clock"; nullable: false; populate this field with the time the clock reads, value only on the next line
3:33:39
